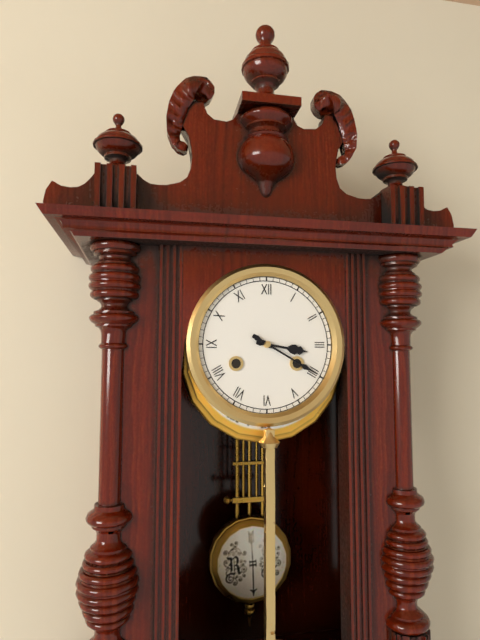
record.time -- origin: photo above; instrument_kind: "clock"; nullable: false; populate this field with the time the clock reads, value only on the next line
3:20
